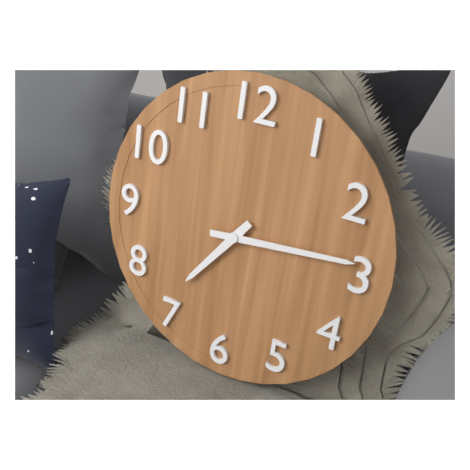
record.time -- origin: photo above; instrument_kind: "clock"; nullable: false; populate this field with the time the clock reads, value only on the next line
7:14
